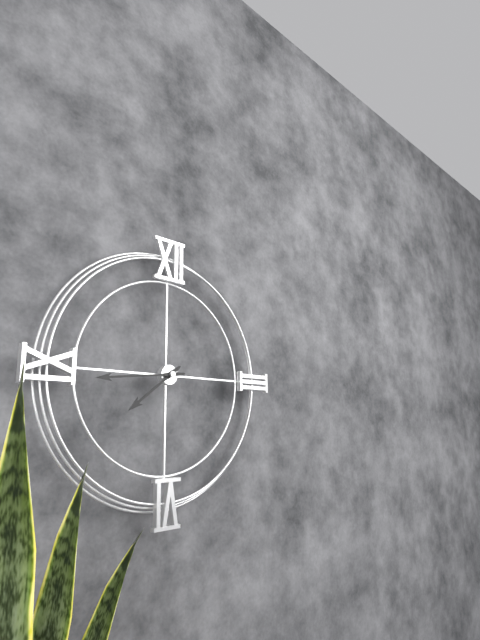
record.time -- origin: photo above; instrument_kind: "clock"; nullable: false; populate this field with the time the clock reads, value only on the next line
7:44
